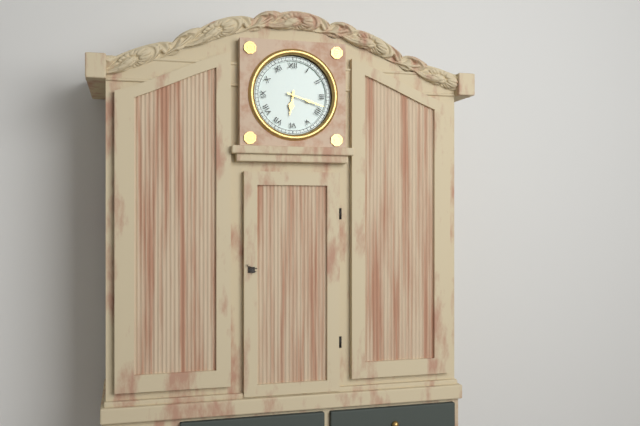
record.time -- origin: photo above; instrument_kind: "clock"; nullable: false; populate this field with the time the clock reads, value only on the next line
6:18
